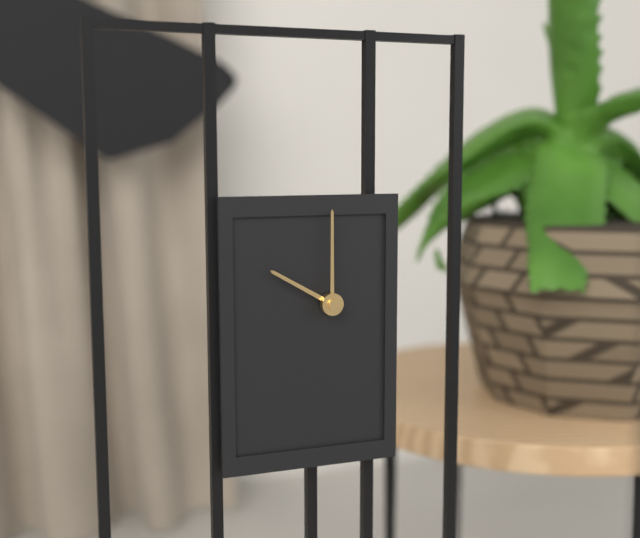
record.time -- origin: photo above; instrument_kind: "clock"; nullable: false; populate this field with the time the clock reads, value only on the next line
10:00
